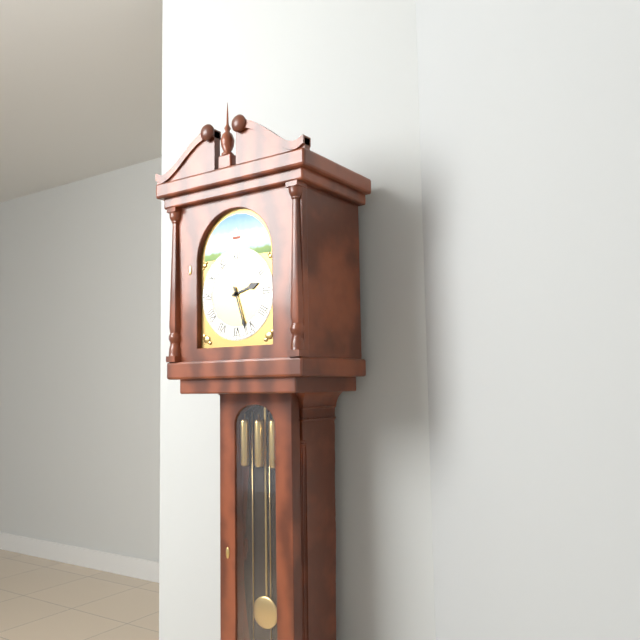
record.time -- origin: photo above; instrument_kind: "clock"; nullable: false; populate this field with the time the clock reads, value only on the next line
2:27
